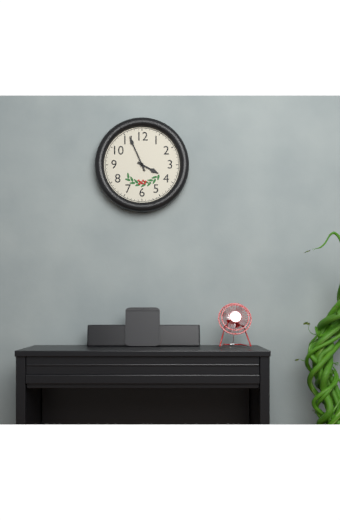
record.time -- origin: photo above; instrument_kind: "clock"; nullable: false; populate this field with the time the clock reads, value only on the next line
3:56
